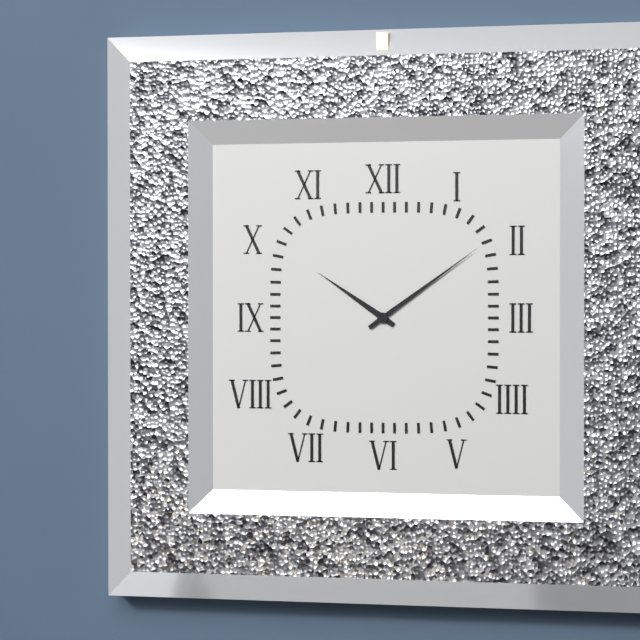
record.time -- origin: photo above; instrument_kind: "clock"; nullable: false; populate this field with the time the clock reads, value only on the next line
10:09
